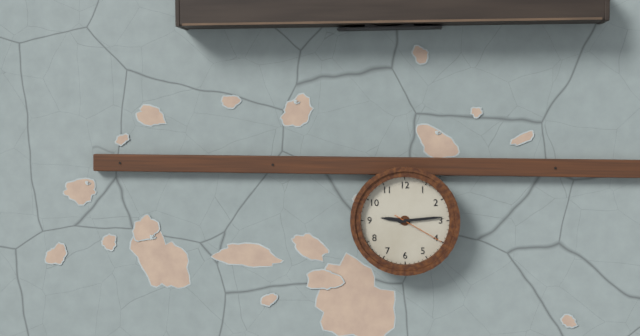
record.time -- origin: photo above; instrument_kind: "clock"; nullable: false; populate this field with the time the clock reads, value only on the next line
9:14:20
